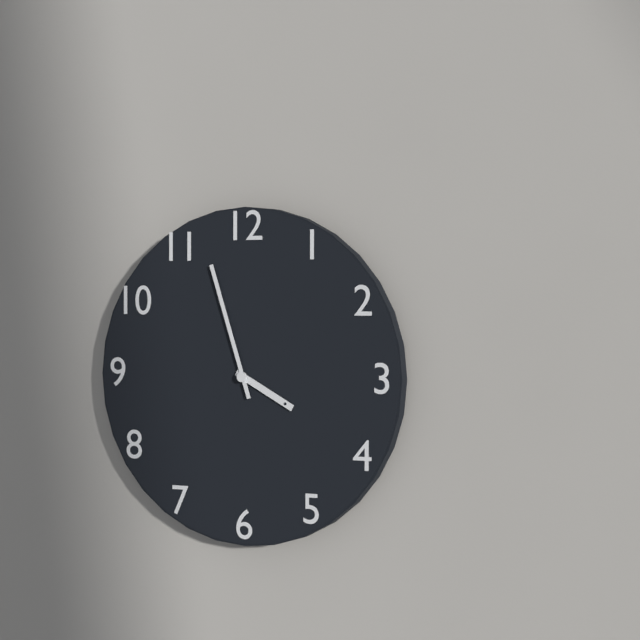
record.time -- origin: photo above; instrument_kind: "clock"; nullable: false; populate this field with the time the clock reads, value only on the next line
3:57
